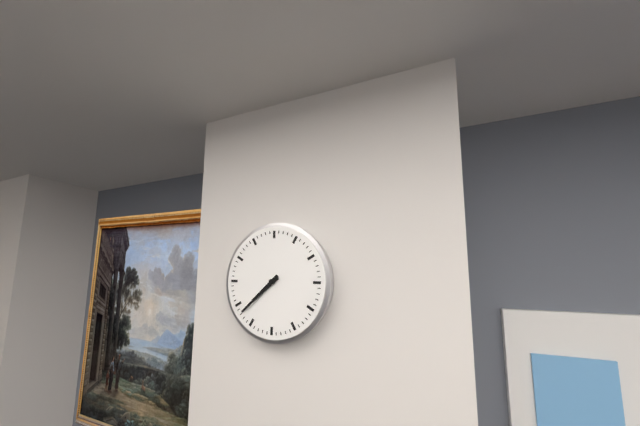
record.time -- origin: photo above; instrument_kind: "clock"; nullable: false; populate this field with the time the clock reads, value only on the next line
7:38
